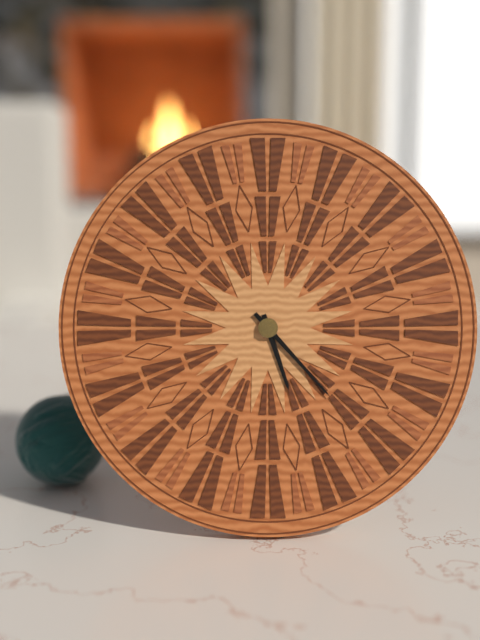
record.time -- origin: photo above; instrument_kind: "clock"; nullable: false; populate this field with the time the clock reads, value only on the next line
5:23
